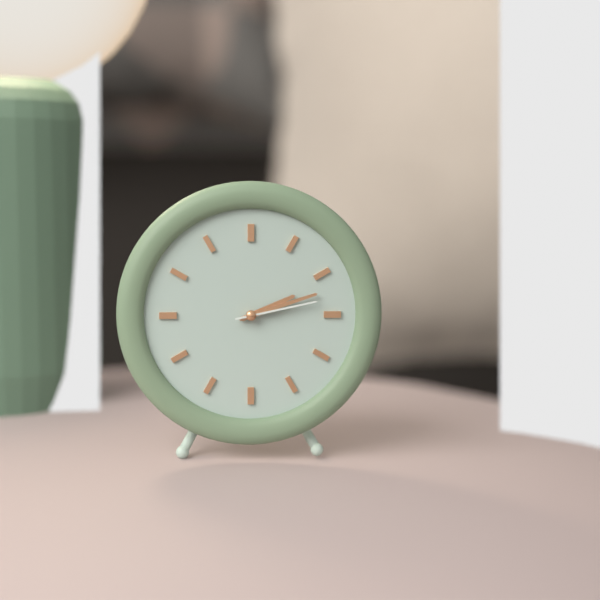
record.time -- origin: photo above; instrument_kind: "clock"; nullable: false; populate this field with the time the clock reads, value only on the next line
2:12:13
